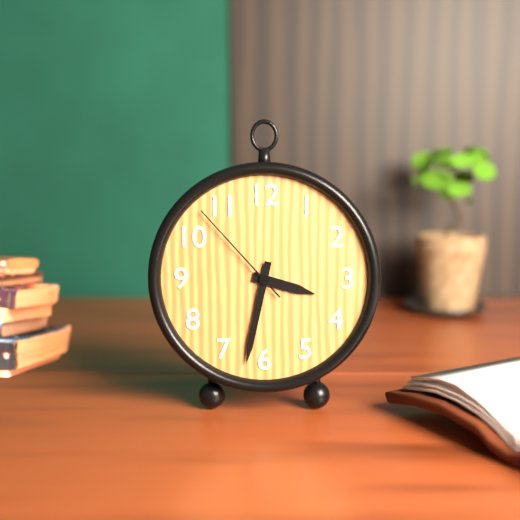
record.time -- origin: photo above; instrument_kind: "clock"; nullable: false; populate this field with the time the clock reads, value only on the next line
3:32:53
